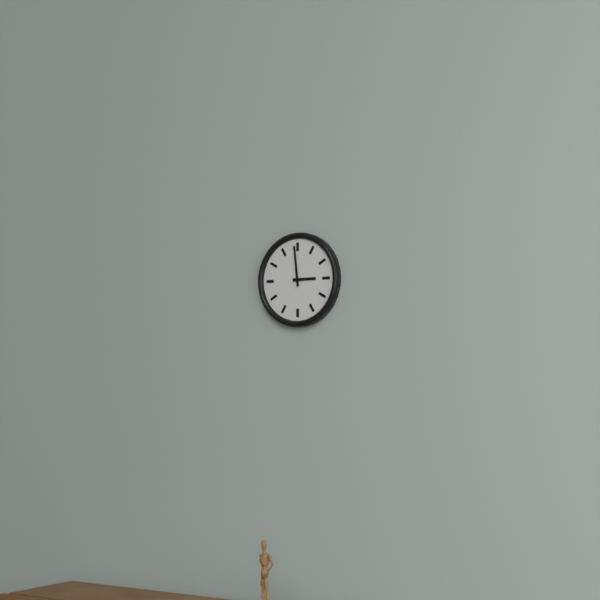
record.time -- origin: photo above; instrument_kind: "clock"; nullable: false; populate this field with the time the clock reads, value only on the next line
2:59
